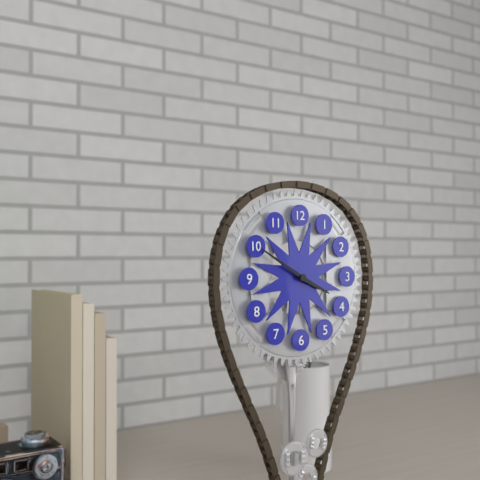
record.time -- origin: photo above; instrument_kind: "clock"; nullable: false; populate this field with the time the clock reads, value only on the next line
3:50
